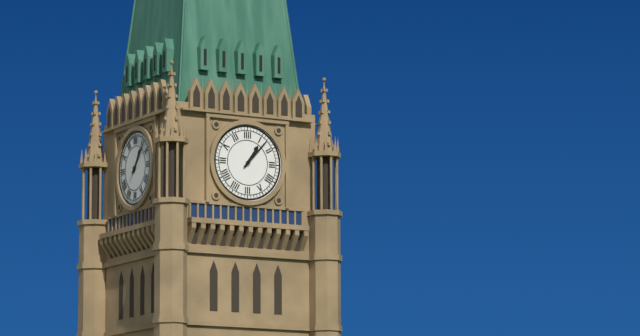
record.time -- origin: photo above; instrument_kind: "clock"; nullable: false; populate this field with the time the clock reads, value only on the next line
1:07
